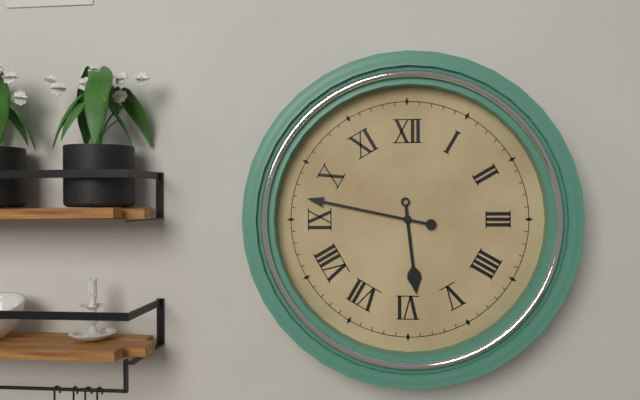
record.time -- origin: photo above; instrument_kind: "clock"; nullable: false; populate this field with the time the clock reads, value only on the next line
5:47
